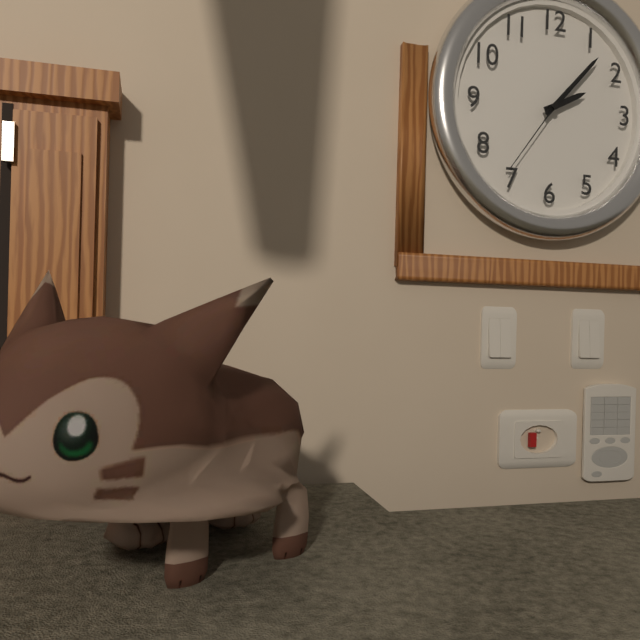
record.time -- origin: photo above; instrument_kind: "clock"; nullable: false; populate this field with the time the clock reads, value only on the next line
2:07:36
